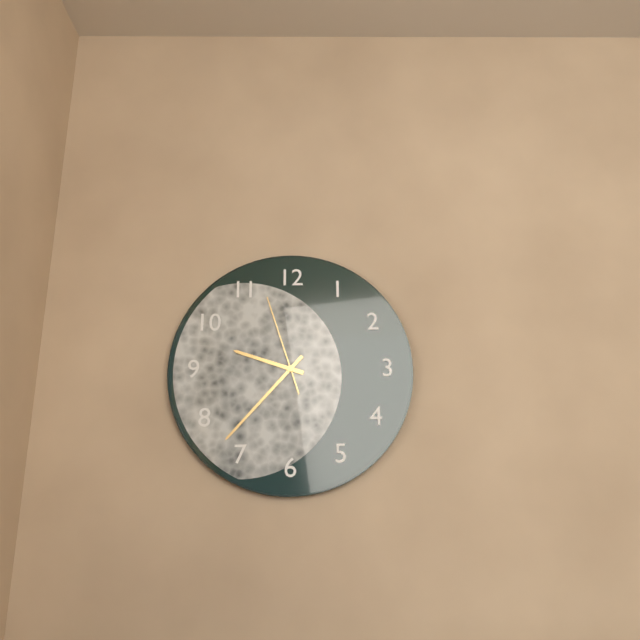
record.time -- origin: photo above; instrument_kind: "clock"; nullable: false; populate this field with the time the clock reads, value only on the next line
9:37:57
